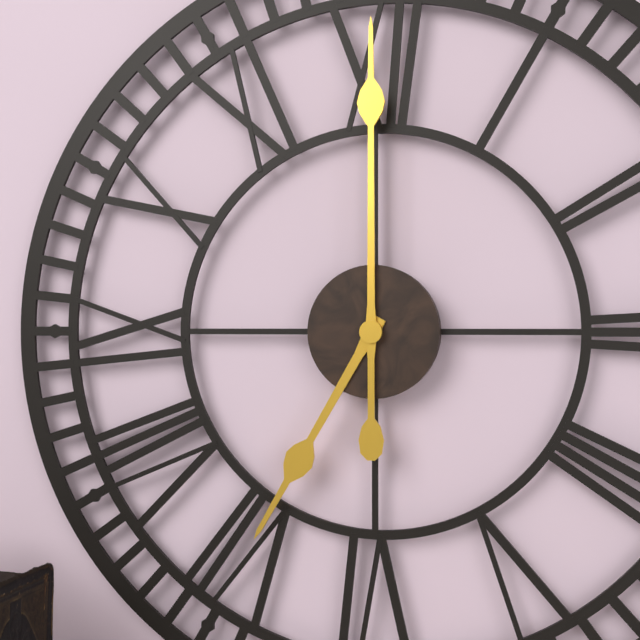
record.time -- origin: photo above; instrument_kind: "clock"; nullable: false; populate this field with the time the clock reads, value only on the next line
7:00
